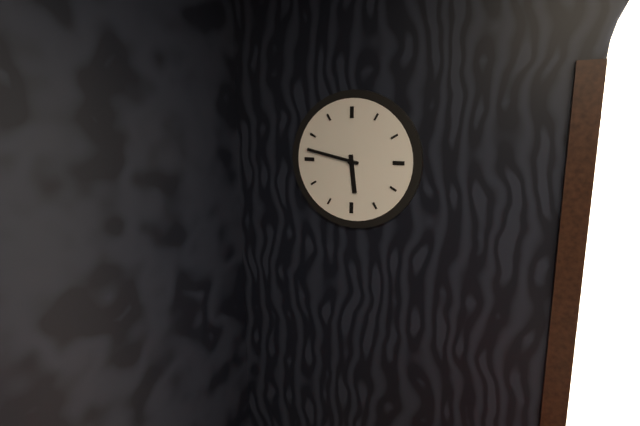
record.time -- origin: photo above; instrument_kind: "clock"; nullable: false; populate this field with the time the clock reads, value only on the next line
5:47
